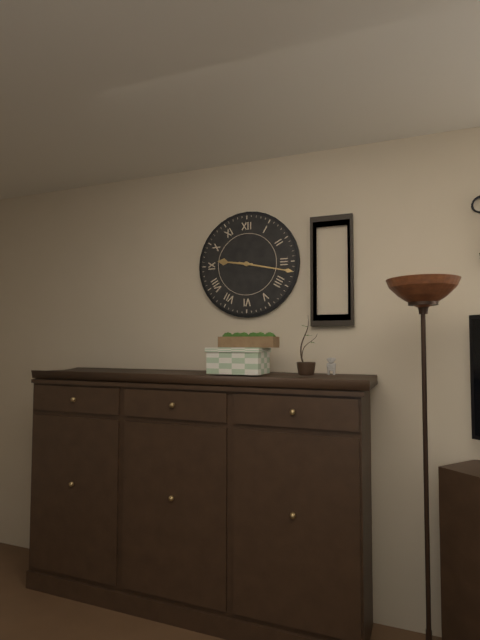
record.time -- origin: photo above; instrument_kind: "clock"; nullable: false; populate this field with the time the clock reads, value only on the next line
9:17
